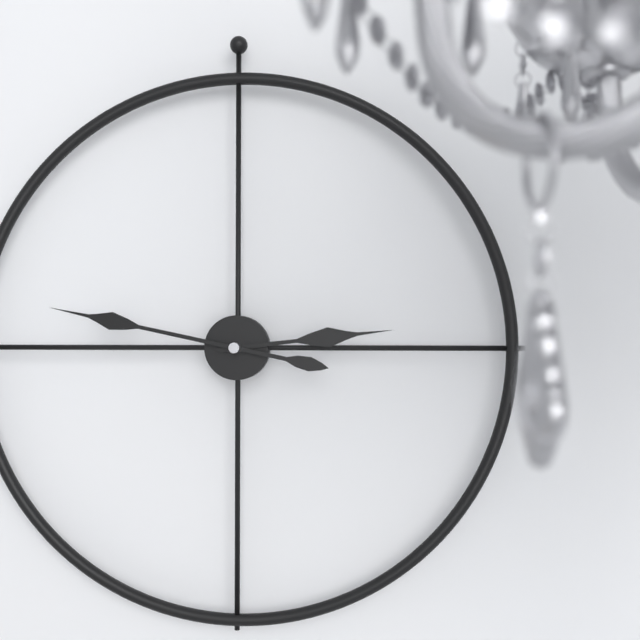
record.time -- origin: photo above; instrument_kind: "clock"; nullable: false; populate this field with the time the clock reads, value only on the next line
2:47
